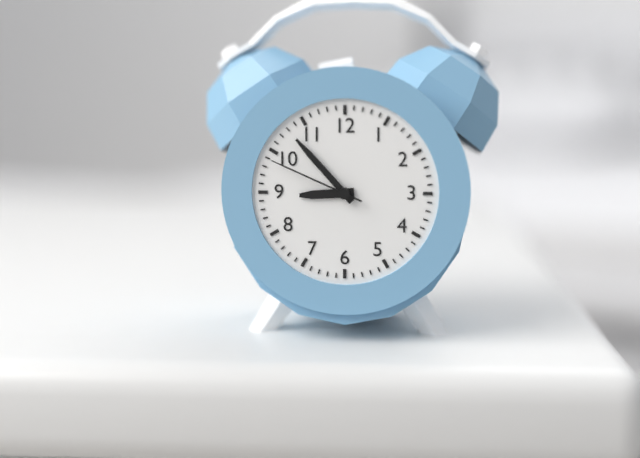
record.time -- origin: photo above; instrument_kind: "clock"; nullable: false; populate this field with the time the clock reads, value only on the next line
8:53:49
